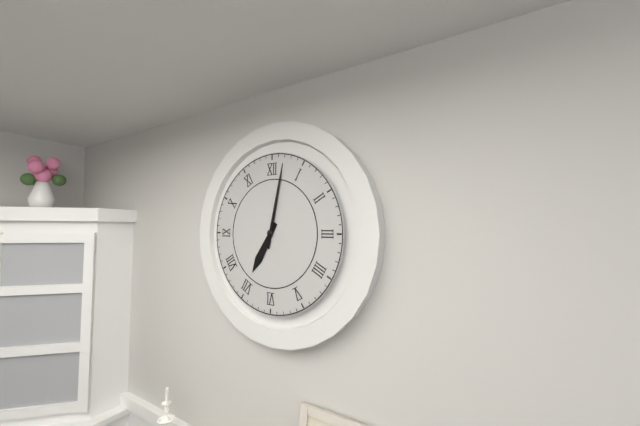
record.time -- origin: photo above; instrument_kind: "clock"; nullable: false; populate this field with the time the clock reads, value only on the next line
7:02
